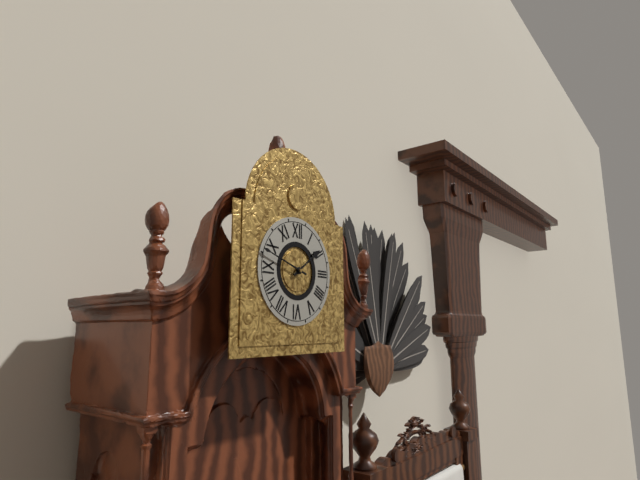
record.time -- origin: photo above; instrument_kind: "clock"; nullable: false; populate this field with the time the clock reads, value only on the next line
1:48
